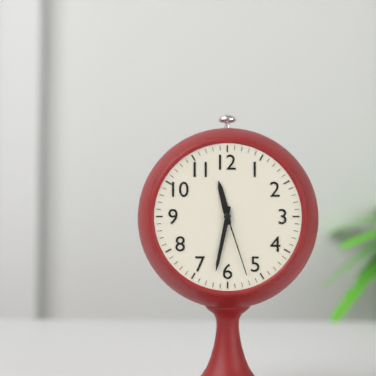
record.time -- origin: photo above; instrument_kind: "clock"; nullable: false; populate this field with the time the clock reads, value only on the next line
11:32:27
